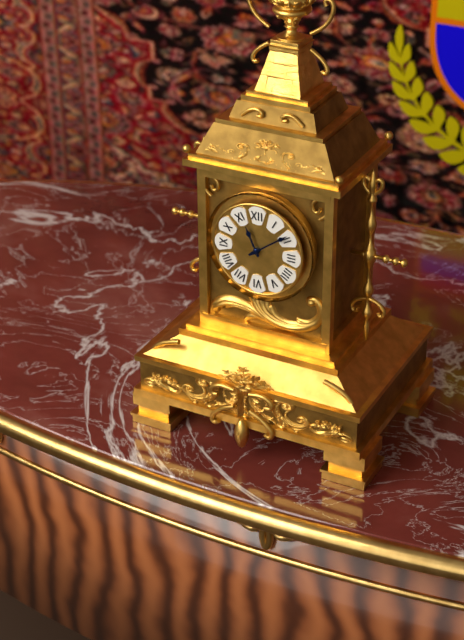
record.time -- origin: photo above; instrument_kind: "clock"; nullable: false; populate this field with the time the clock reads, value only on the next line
11:09
